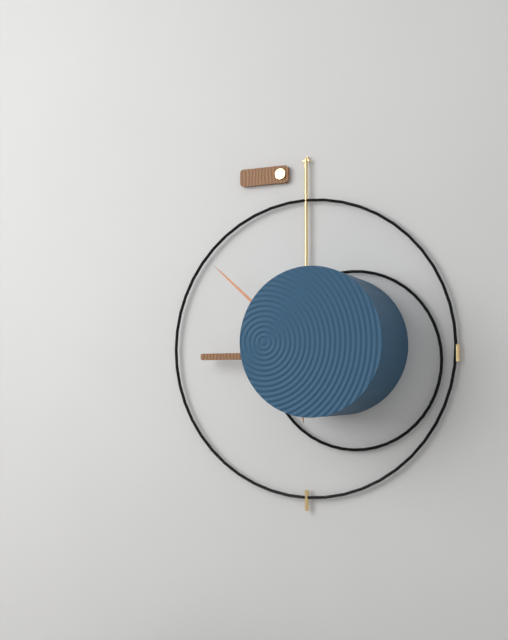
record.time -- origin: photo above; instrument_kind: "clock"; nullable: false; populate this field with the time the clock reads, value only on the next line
5:52
